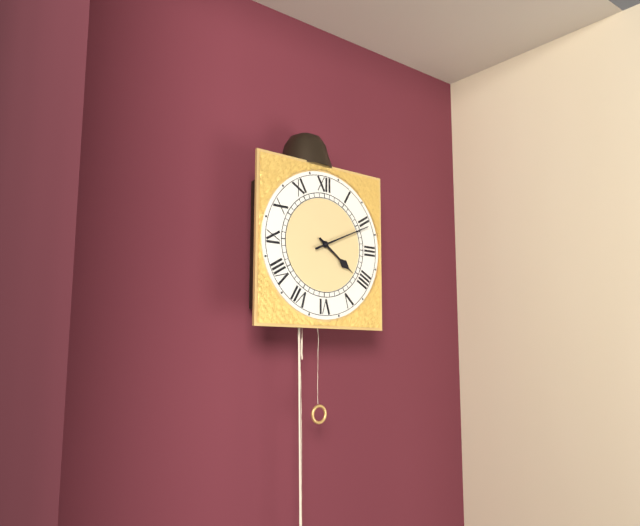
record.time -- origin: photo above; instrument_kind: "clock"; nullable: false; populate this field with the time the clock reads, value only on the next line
4:11
